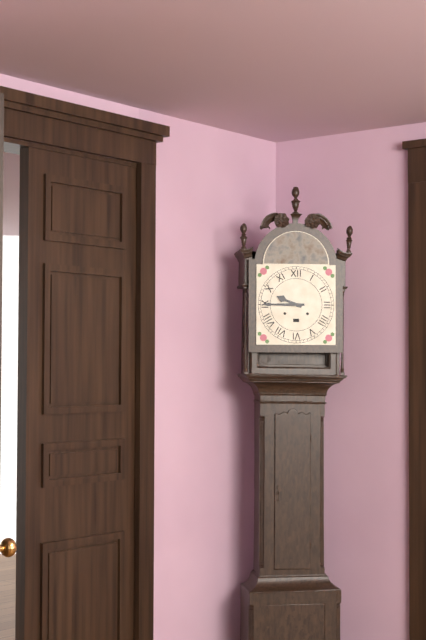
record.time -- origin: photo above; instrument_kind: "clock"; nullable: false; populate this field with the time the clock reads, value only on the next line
9:45
